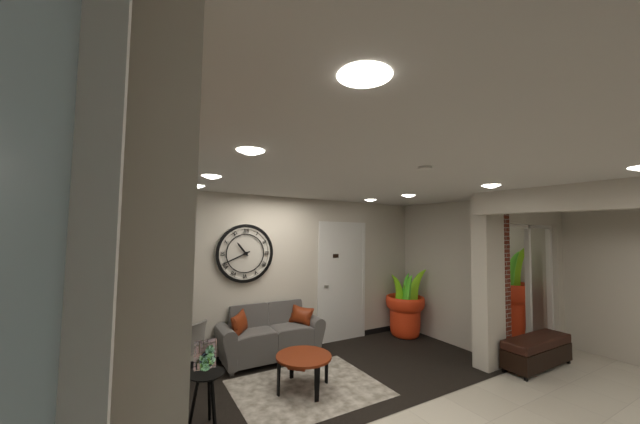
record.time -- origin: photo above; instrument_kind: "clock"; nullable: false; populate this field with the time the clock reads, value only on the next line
10:41
